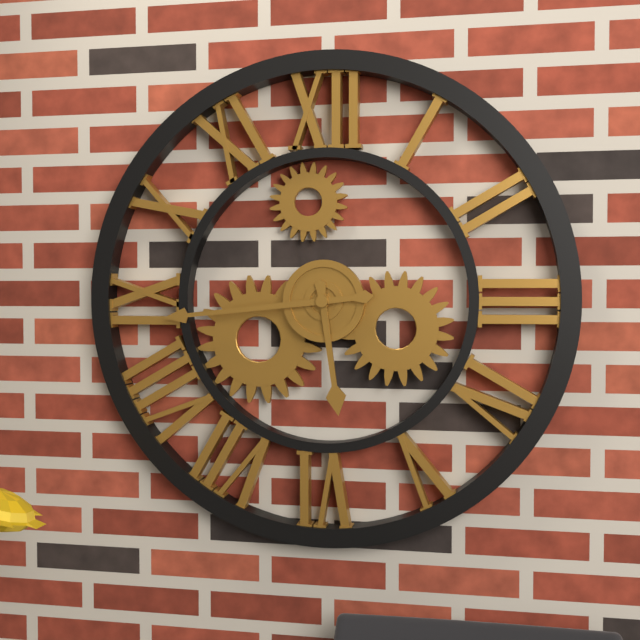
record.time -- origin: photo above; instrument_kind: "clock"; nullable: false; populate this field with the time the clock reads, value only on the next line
5:44
